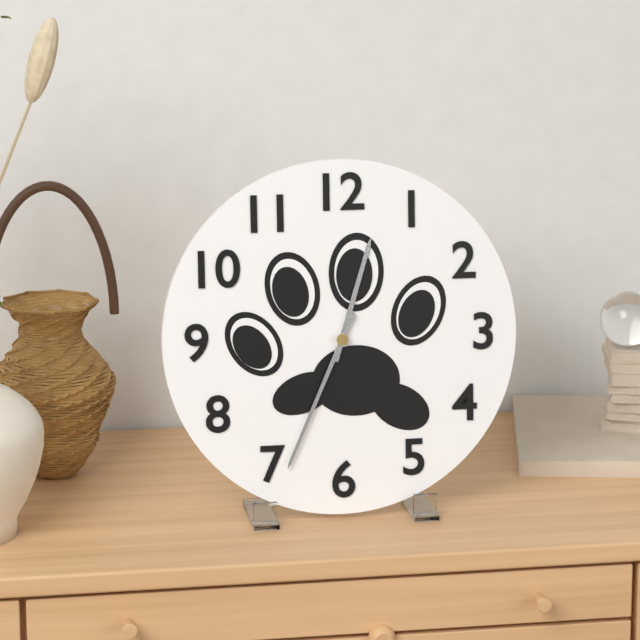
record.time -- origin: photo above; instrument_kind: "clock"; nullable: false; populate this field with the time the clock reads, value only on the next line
12:34
